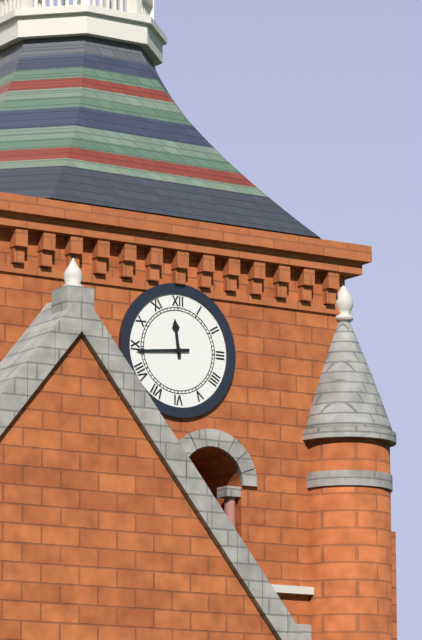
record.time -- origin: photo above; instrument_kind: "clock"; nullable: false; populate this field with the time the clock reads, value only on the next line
11:44
